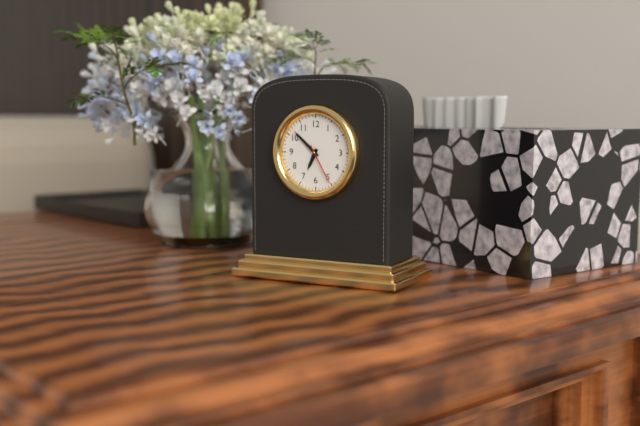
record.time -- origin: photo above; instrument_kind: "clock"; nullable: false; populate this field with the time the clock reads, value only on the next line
6:52
